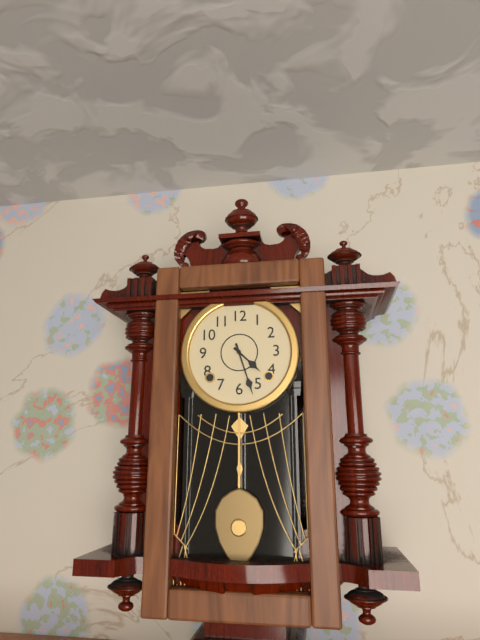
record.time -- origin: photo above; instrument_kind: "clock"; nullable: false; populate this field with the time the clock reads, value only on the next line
4:27
